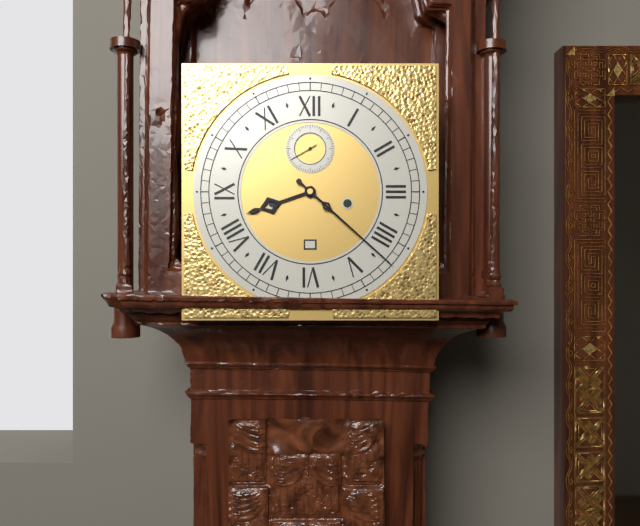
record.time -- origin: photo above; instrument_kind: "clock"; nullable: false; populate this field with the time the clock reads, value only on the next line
8:22
